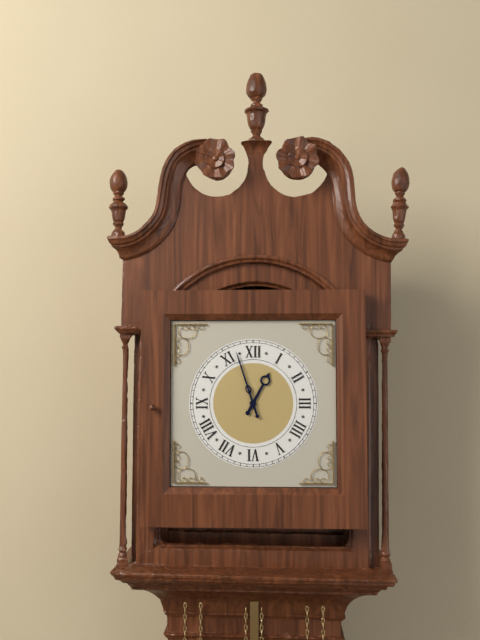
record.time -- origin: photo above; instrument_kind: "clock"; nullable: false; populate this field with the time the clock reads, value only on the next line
12:57
